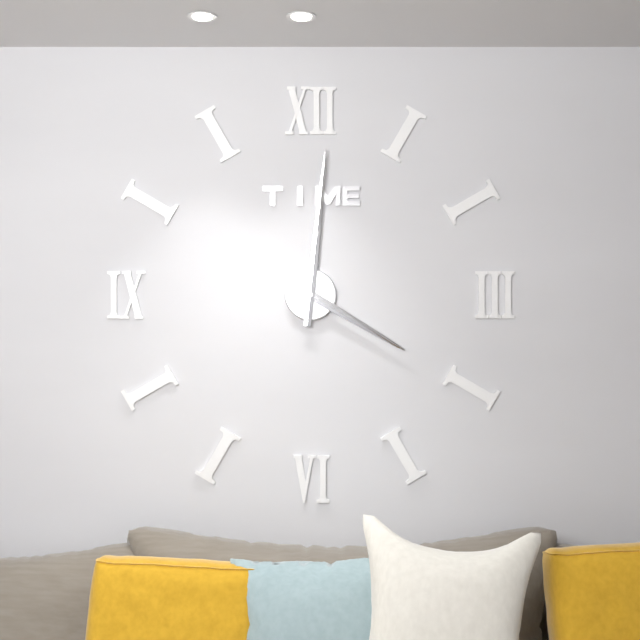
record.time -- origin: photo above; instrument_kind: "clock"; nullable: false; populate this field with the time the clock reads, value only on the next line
4:01
